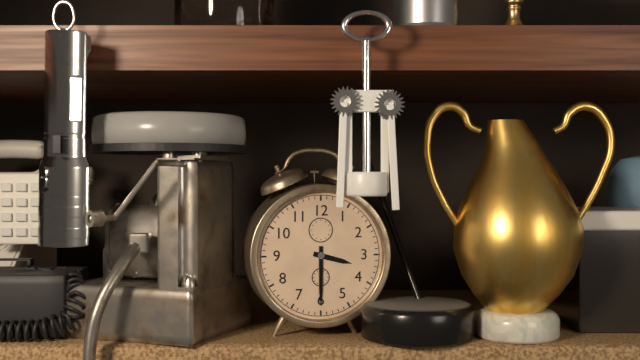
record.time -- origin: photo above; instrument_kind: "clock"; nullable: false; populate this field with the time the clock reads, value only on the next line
3:30
